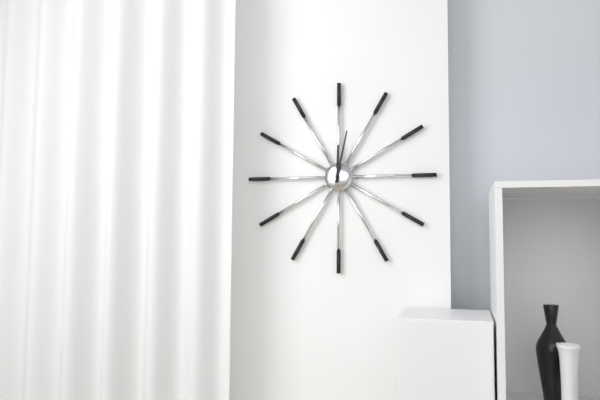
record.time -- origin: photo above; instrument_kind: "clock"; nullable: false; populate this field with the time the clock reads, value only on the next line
12:02
